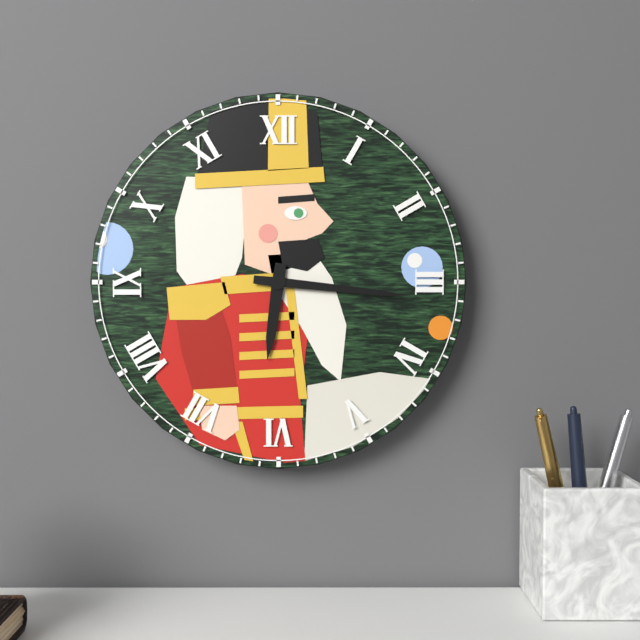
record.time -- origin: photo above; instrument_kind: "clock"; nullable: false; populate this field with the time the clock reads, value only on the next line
6:16
